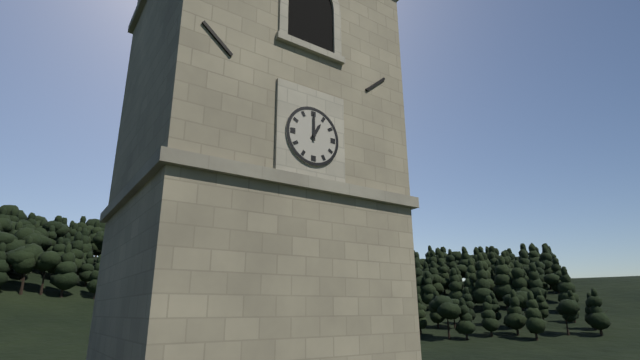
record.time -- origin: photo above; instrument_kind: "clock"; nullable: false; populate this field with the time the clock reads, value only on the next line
1:00
